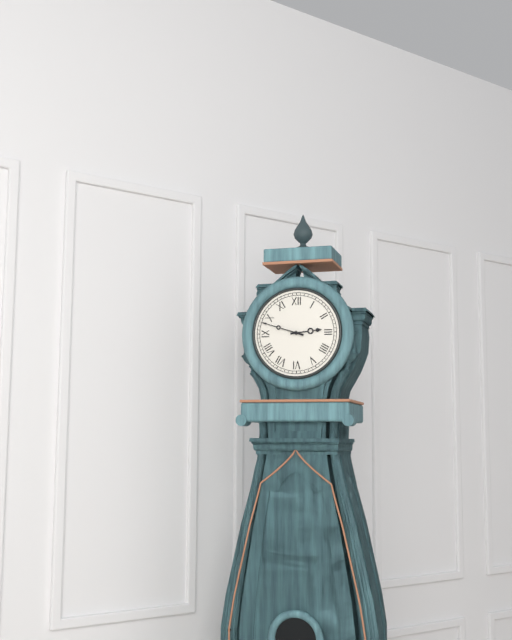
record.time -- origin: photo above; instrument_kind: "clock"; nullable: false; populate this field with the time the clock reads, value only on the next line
2:48
